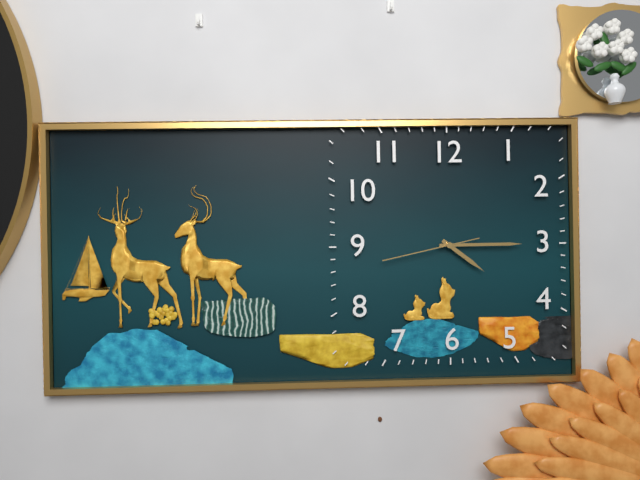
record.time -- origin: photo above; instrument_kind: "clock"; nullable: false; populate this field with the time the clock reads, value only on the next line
4:15:43
